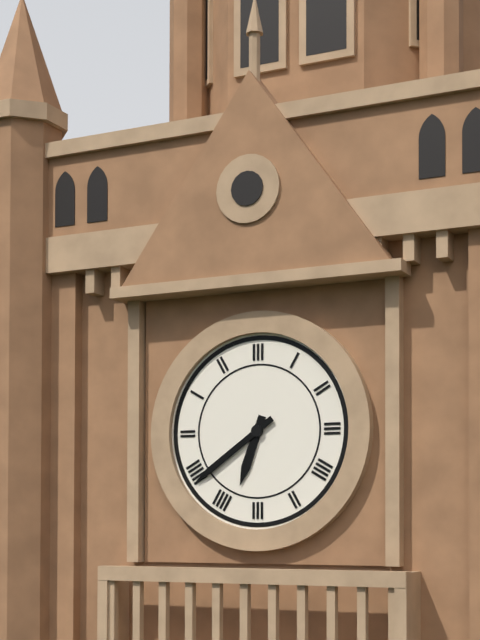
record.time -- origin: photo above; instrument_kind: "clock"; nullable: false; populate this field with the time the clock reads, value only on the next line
6:39
